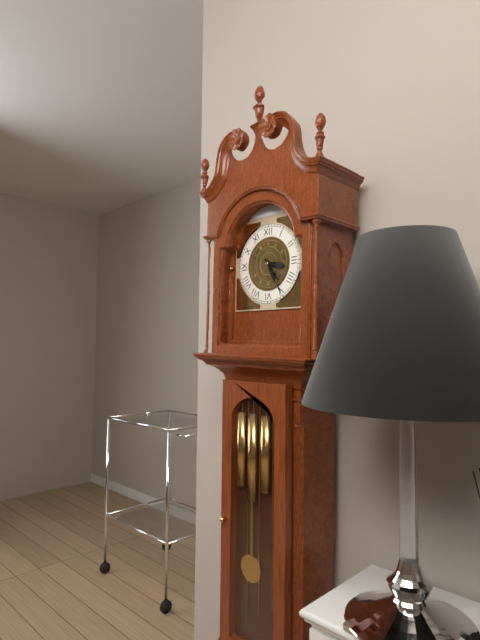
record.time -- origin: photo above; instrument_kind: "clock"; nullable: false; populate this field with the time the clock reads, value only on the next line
3:25
